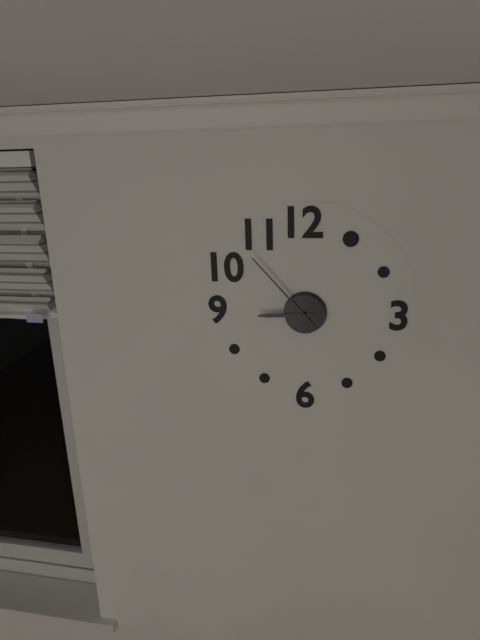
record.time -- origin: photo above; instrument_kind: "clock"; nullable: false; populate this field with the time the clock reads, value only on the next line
8:53
